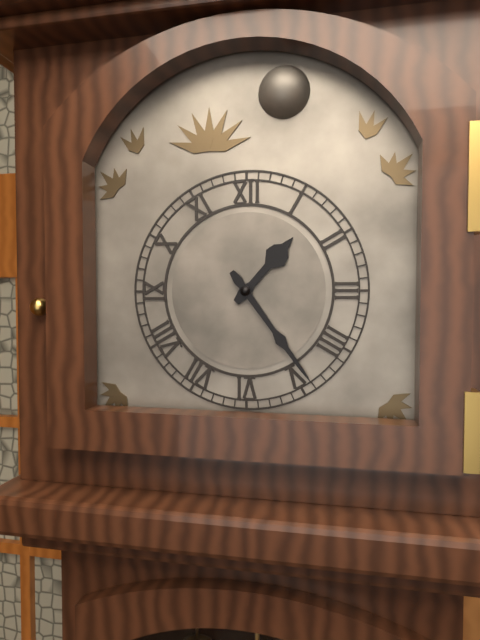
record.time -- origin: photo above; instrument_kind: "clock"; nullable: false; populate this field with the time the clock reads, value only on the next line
1:24
